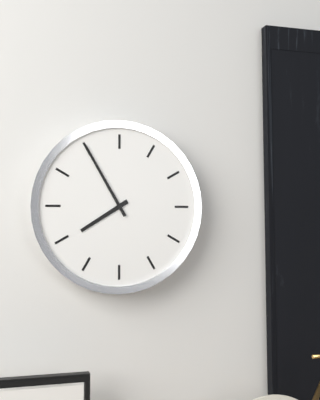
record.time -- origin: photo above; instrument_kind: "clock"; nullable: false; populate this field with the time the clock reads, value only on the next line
7:55
